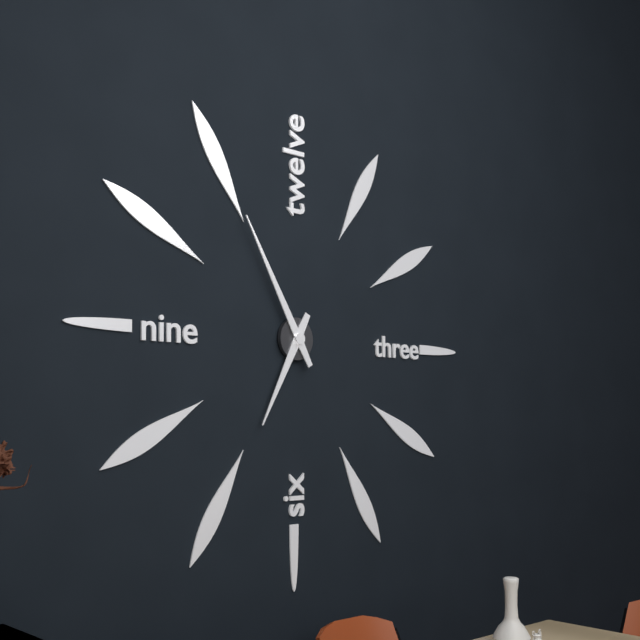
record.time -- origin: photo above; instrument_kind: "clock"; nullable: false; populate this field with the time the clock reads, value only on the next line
6:55
